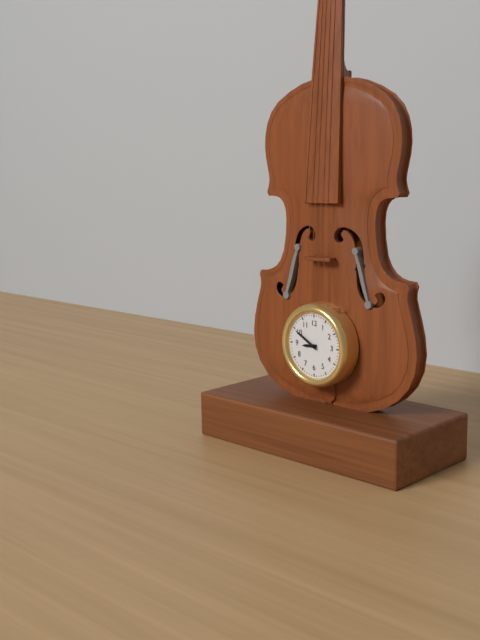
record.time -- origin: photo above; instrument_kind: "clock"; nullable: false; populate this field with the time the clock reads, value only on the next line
8:50
